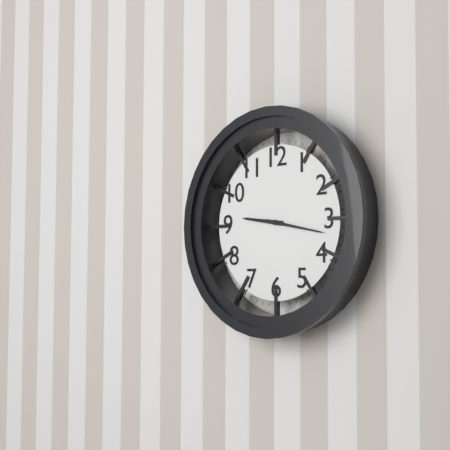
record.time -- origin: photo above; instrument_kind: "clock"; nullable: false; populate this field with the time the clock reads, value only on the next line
9:17
